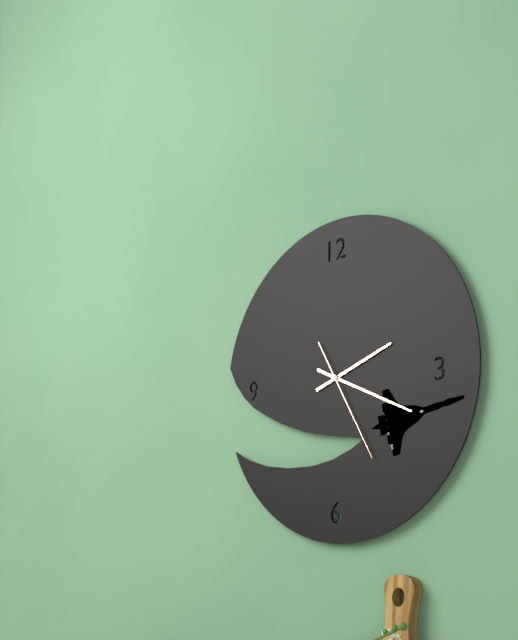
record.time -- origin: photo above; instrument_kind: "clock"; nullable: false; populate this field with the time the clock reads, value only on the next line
2:19:25
